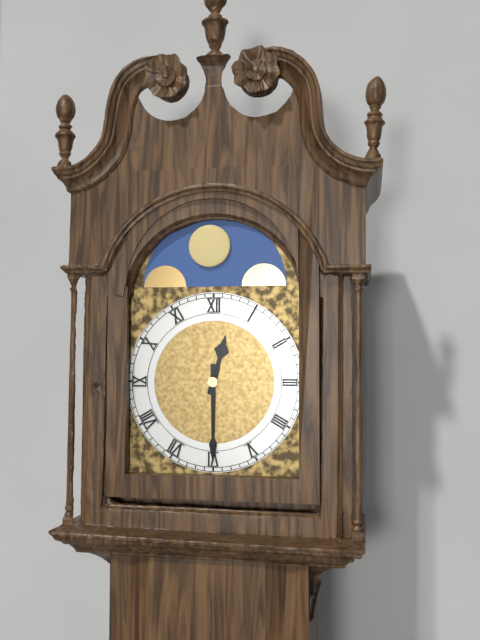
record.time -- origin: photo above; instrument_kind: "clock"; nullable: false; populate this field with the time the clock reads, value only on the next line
12:30
